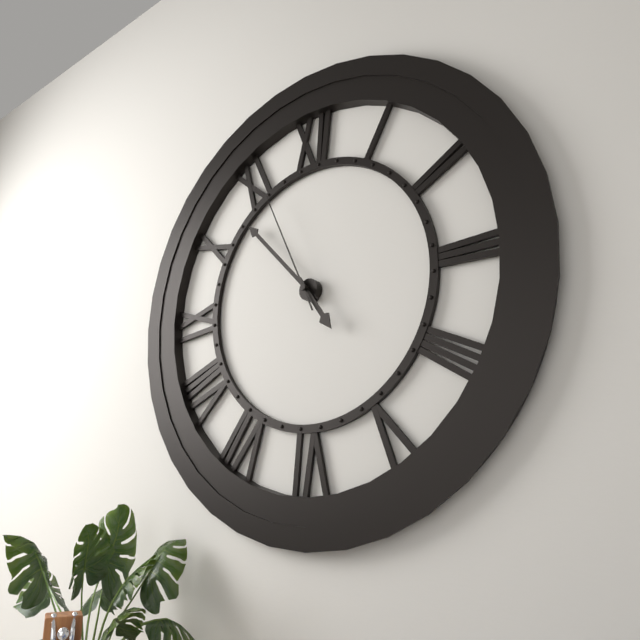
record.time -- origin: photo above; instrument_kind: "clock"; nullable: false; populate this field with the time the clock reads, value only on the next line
4:53:56
